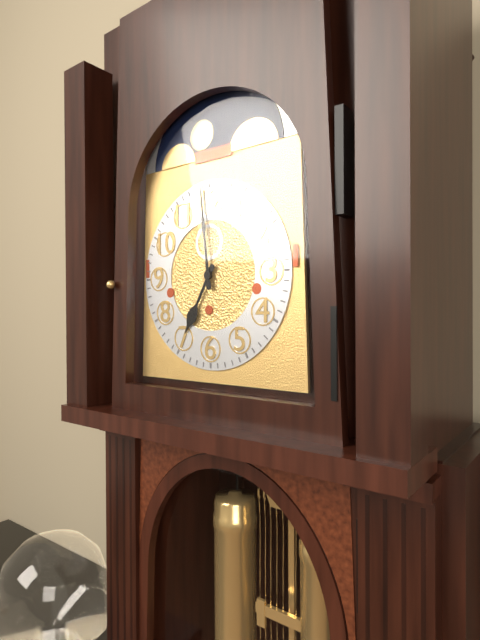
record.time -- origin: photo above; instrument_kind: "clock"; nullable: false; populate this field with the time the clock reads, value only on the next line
6:59
